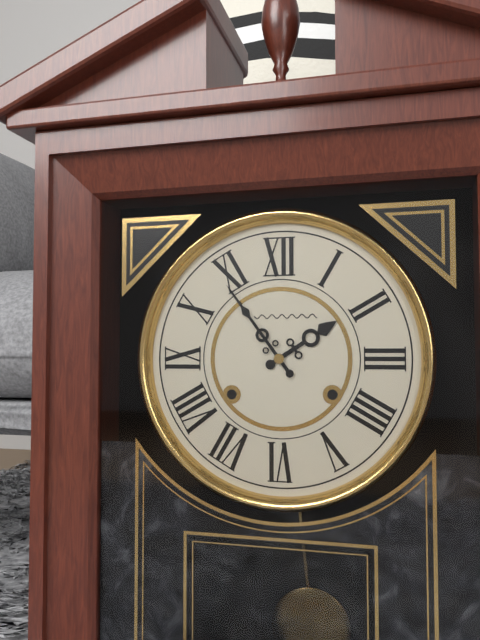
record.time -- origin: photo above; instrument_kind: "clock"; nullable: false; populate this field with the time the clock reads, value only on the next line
1:54
